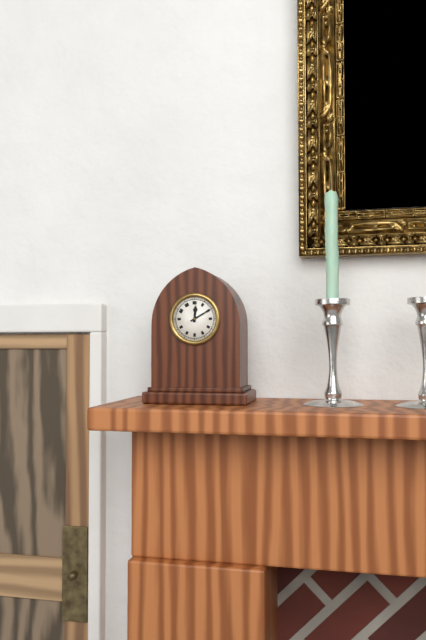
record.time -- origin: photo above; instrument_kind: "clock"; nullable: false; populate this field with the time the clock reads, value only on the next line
12:10
